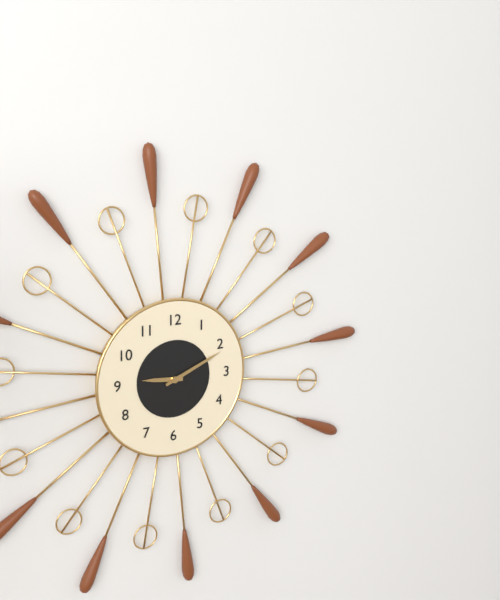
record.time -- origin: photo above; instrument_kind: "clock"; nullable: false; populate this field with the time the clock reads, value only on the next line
9:11
